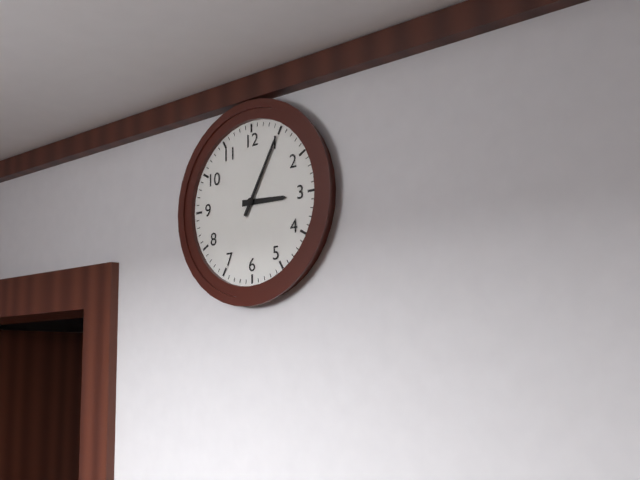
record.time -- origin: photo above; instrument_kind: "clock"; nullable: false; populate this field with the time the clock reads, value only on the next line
3:05
